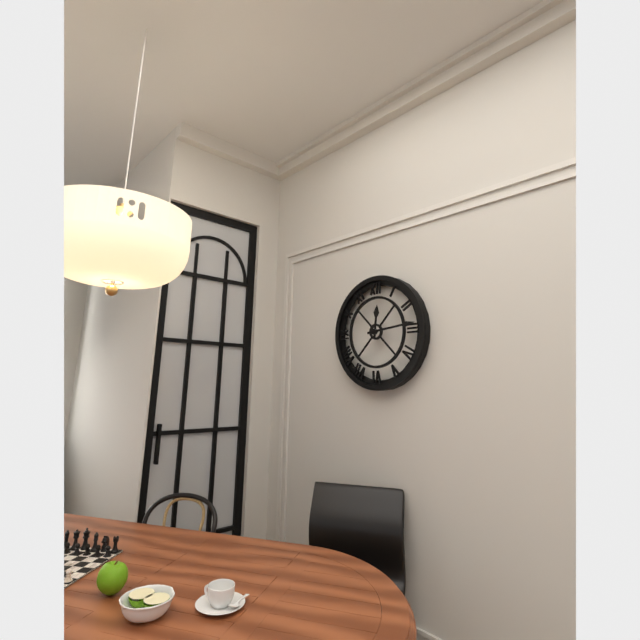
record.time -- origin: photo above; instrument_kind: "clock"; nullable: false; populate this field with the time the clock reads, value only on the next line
12:14
